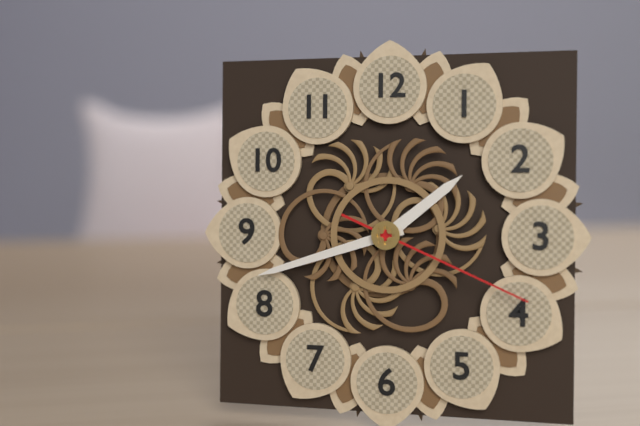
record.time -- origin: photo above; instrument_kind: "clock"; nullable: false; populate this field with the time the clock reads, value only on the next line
1:42:19
